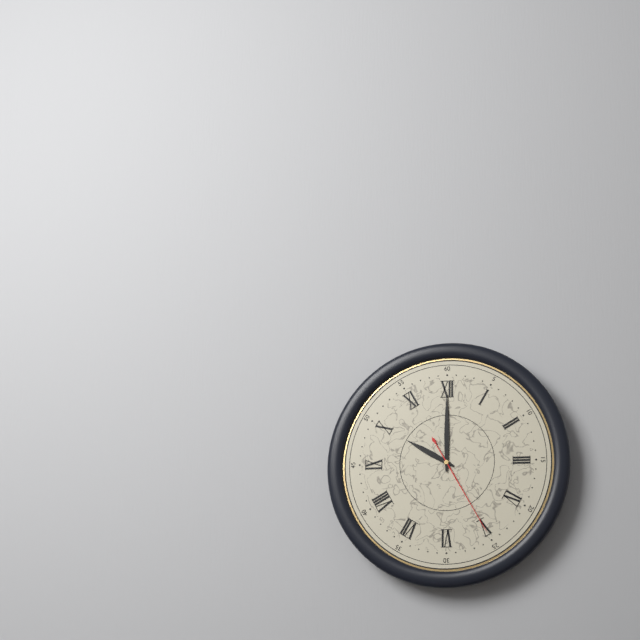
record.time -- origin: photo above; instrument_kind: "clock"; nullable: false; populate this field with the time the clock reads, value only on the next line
10:00:25
